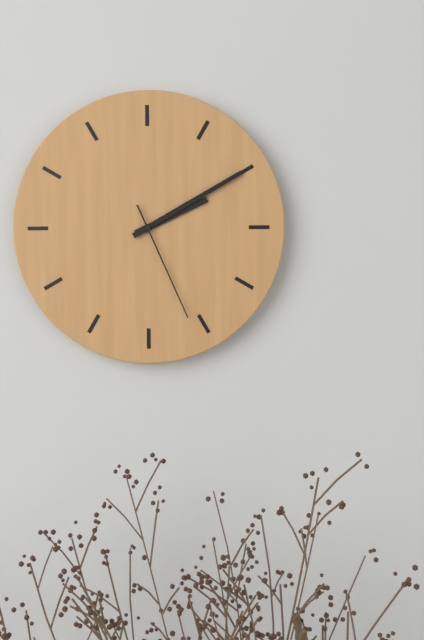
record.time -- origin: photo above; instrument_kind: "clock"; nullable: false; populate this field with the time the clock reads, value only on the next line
2:10:26
